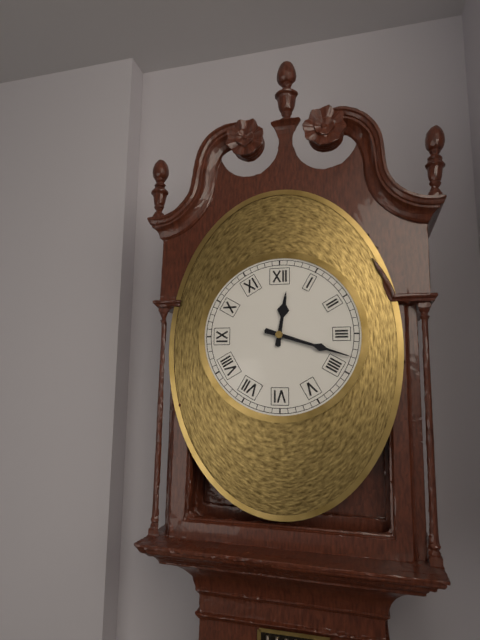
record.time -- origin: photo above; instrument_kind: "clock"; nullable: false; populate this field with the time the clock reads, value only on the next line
12:18
